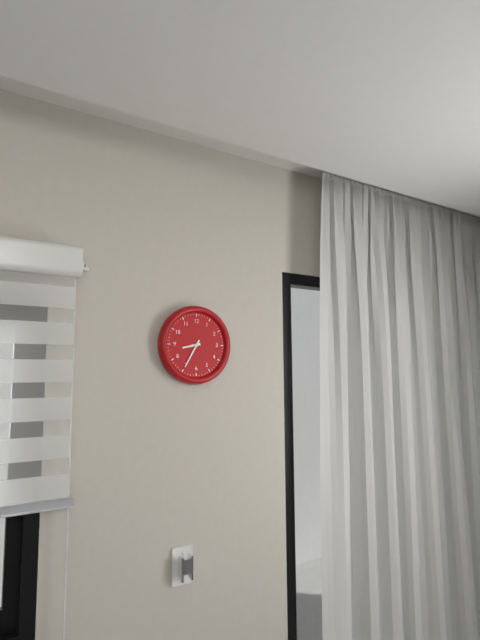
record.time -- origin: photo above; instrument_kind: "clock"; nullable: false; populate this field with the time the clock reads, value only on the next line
8:35
